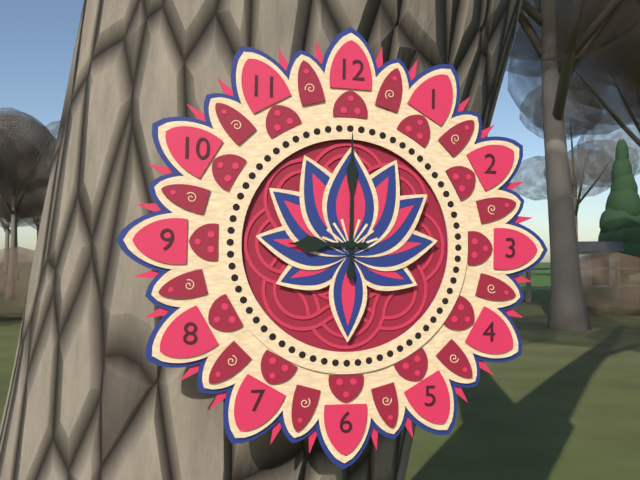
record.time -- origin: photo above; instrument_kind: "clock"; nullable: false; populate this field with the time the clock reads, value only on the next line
9:00
